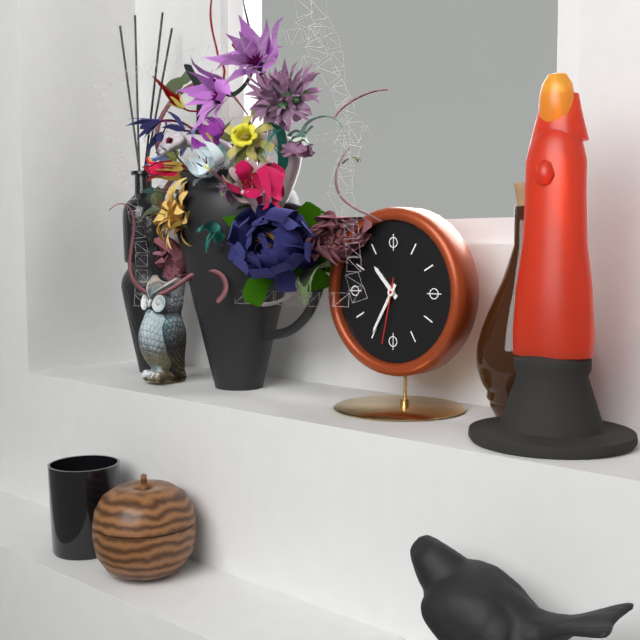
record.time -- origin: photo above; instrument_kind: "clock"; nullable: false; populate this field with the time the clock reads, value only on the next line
10:35:32
